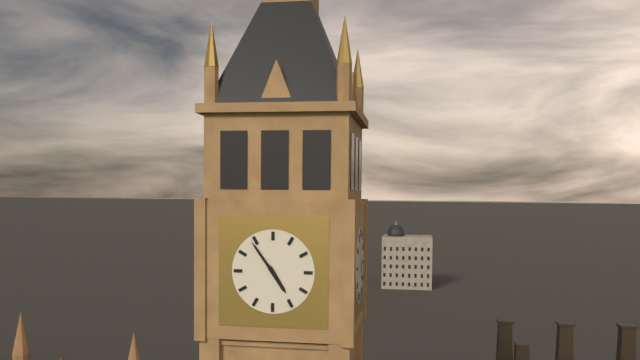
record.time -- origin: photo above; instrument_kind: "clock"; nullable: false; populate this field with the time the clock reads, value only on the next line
4:54
